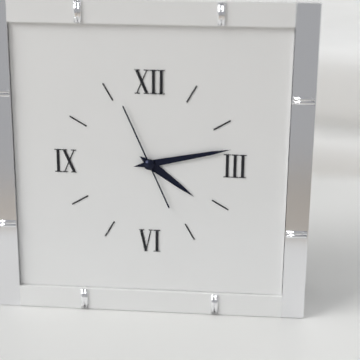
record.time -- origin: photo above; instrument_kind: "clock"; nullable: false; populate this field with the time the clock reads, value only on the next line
4:13:56
